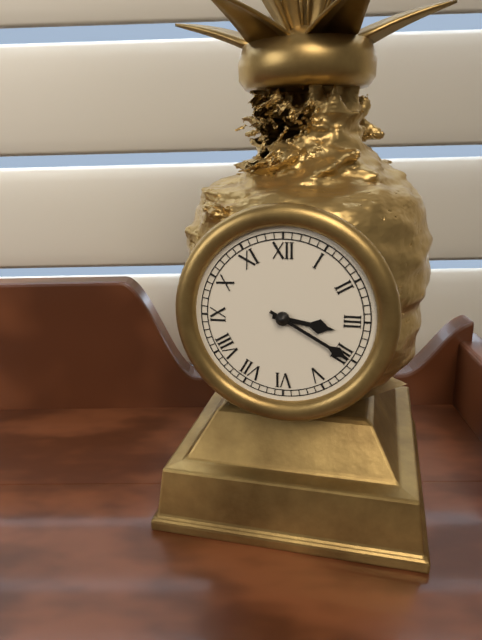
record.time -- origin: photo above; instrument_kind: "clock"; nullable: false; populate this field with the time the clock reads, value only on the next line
3:20
